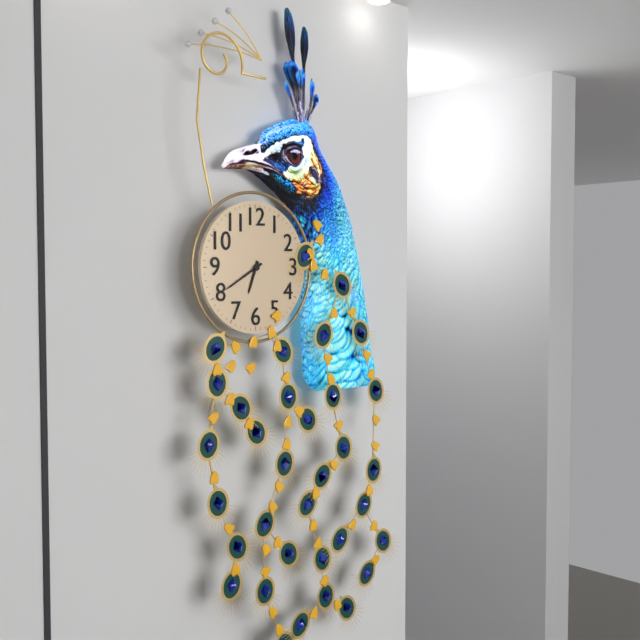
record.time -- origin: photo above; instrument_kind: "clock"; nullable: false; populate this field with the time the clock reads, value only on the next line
6:40
